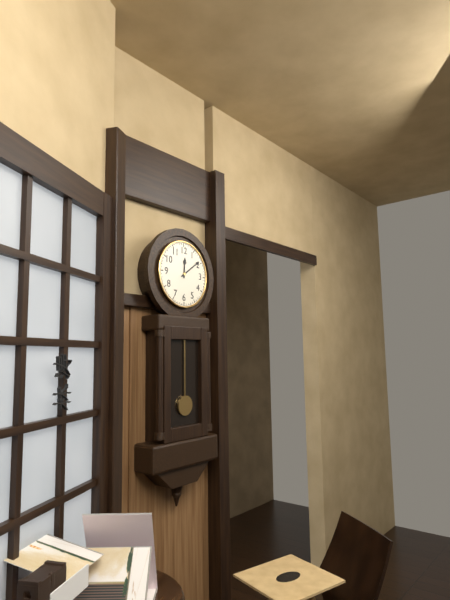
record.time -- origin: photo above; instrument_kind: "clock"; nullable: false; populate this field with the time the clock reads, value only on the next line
12:09
